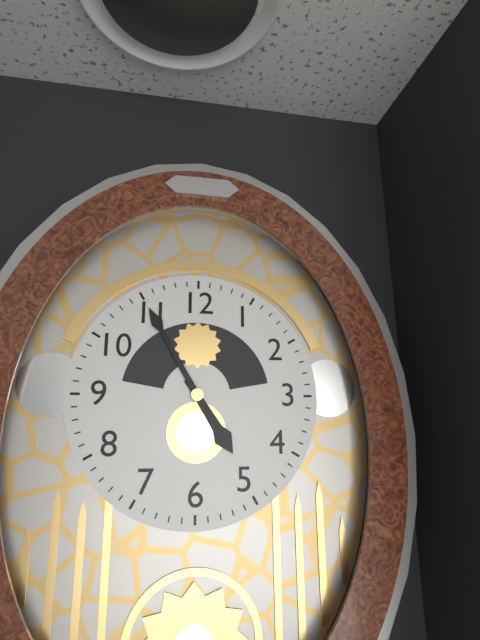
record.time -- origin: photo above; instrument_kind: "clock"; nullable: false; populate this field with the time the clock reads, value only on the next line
4:55
